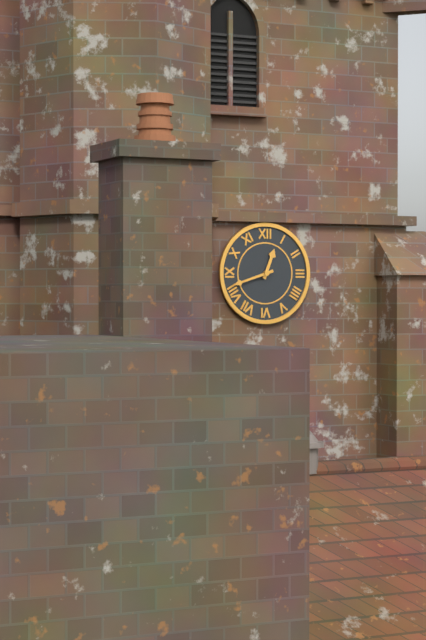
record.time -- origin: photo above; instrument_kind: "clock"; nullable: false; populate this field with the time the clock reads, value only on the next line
12:42
